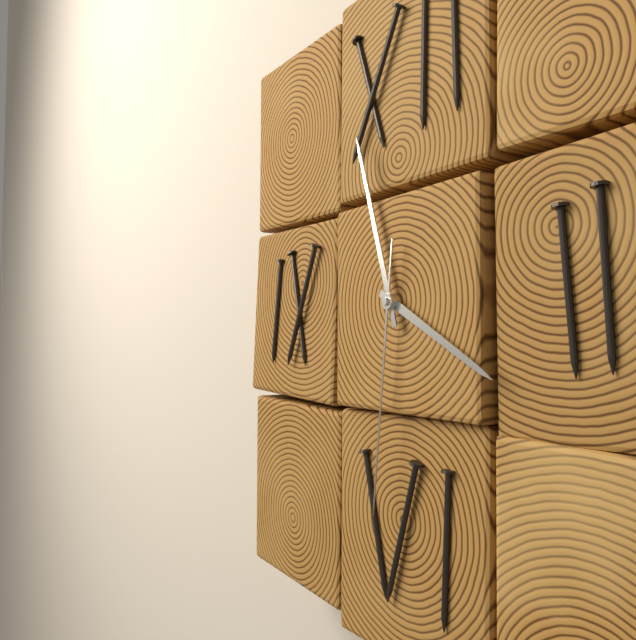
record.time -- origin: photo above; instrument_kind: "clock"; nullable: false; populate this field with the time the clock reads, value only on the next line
3:57:31
